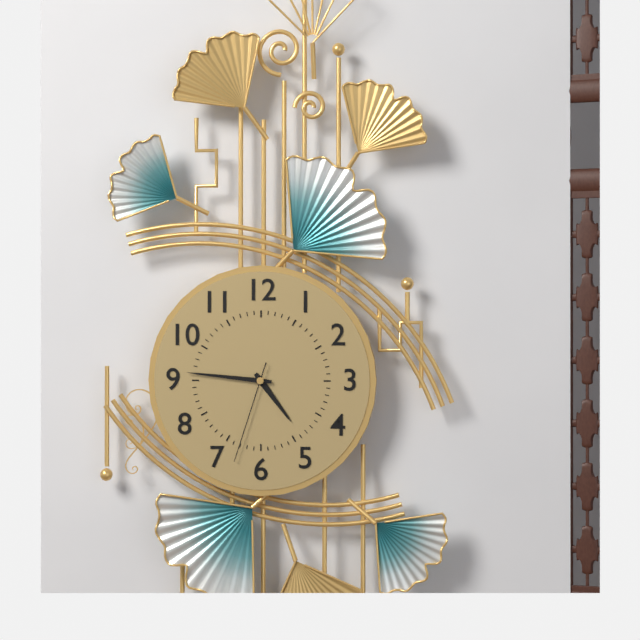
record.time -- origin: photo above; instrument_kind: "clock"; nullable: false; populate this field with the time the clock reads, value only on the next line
4:46:33
